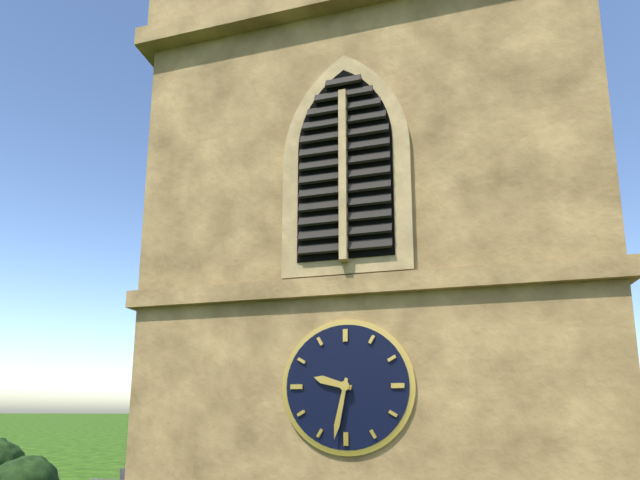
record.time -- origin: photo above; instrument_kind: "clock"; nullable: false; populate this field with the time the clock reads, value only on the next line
9:32
